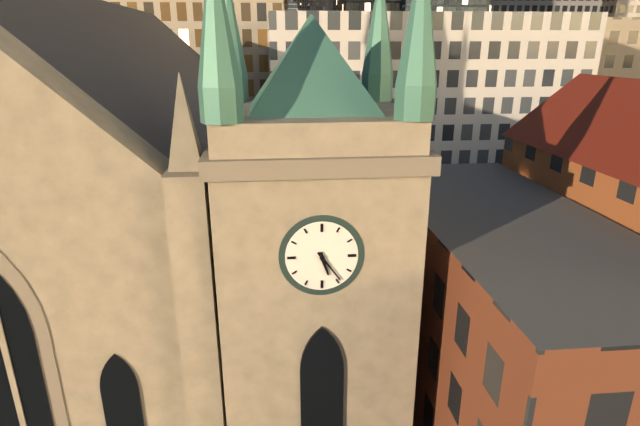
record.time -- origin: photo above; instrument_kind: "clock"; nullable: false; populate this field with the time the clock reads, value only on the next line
5:24
